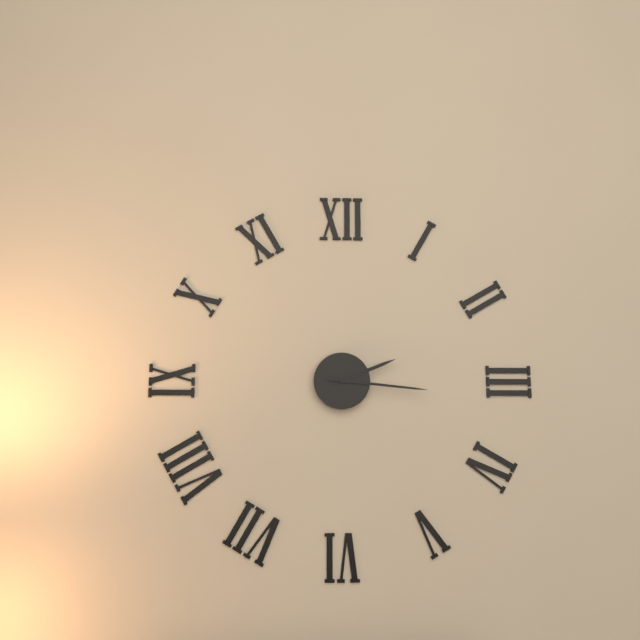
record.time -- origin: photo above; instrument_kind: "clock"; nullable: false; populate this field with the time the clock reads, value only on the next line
2:16
